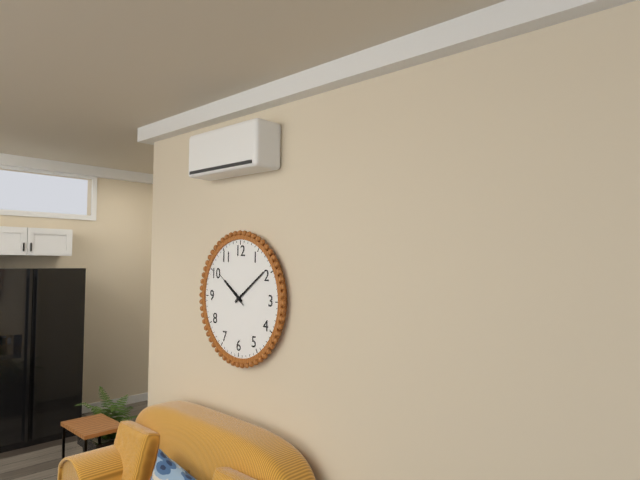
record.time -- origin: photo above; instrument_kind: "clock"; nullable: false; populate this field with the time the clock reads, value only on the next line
10:09
